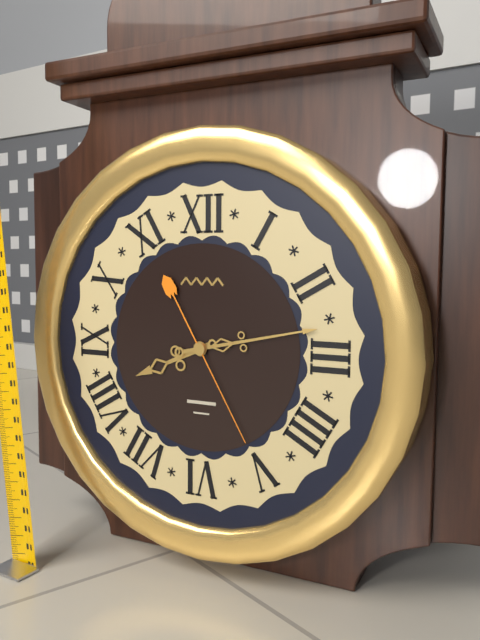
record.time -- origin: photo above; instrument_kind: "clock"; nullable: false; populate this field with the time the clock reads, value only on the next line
8:13:25
